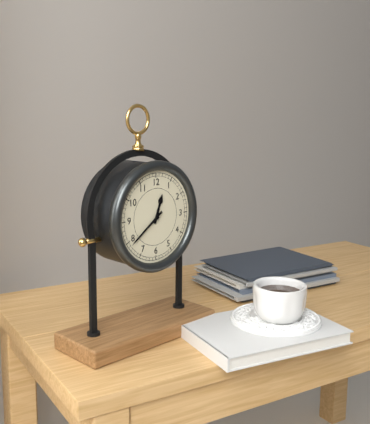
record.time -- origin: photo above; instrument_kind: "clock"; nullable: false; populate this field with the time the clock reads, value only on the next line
12:39
